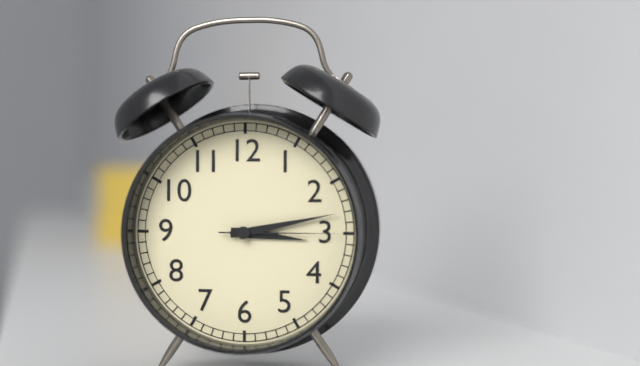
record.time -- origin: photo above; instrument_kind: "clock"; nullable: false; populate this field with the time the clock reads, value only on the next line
3:13:15
